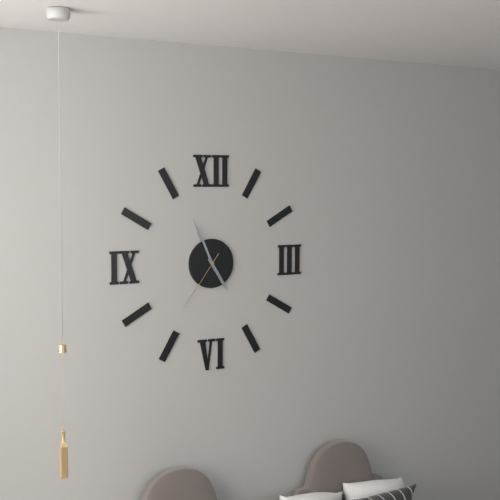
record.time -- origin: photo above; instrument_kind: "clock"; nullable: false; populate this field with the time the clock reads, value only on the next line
4:56:36
